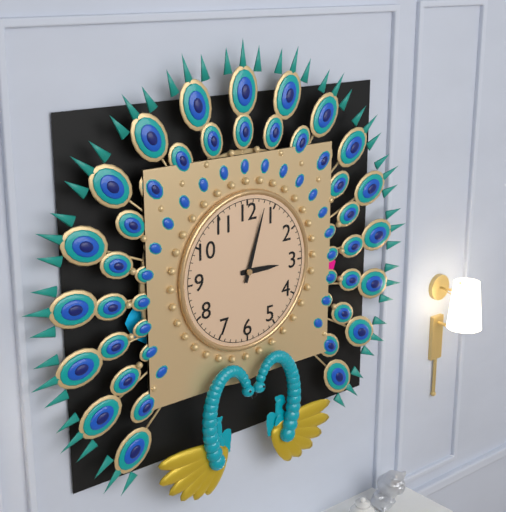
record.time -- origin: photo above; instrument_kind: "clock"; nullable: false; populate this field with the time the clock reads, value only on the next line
3:03
